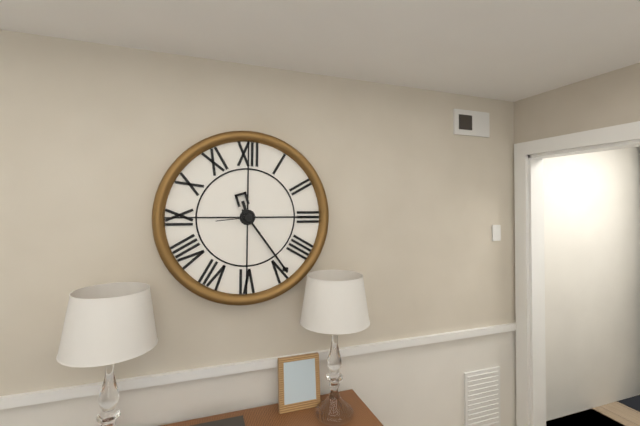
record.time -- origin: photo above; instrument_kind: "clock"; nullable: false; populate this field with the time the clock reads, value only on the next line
11:24
